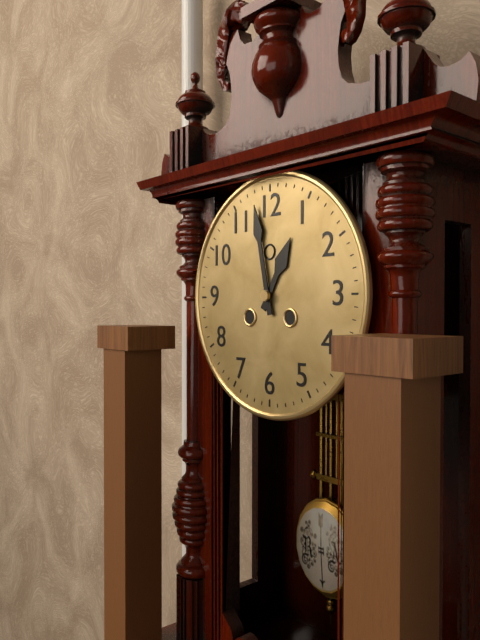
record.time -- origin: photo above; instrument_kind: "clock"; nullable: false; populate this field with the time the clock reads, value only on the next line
12:58
